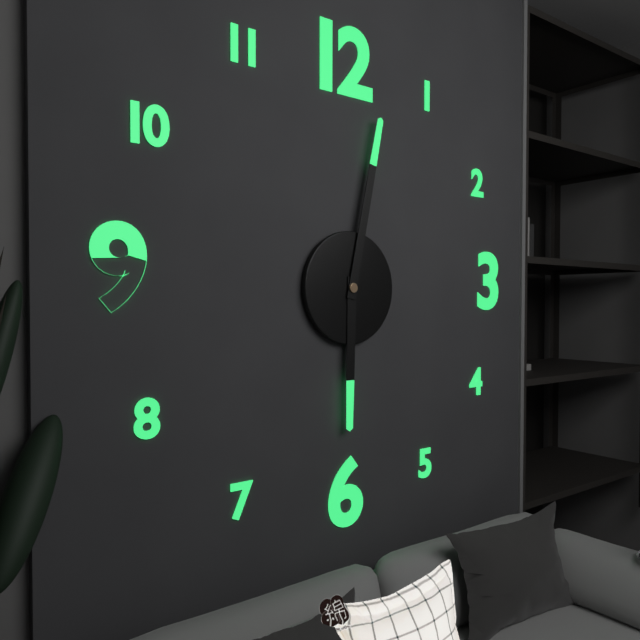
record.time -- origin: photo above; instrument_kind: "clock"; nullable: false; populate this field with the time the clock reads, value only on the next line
6:02
